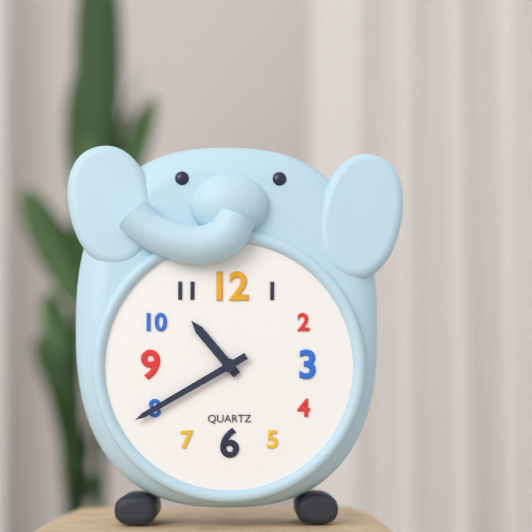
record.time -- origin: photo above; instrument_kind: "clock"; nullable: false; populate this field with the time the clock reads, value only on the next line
10:40
